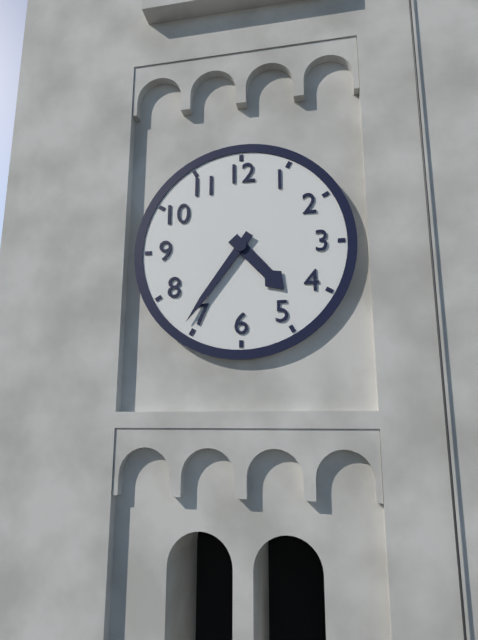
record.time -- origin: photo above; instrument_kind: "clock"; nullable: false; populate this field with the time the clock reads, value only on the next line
4:36
